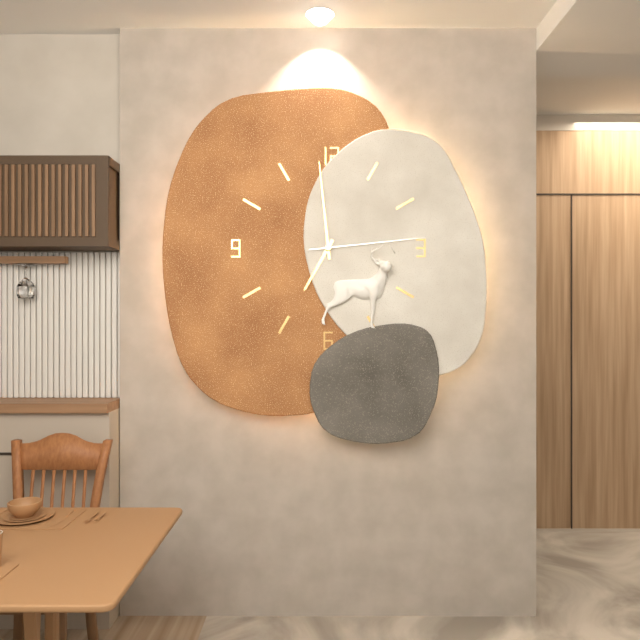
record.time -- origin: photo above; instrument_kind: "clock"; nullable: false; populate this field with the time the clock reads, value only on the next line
6:59:14
